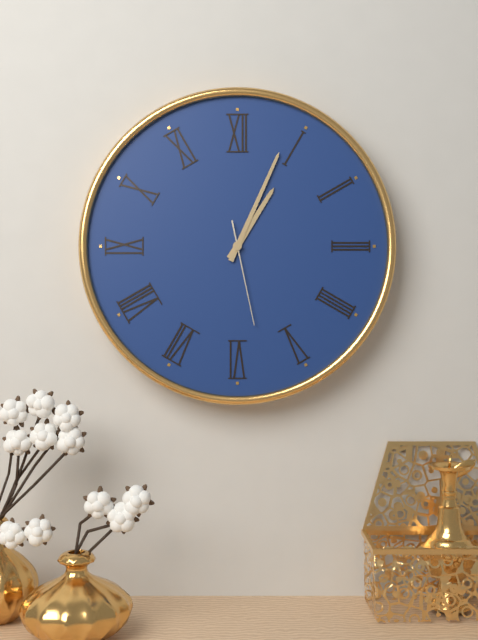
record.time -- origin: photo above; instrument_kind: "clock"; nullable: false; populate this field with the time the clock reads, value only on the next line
1:04:28
